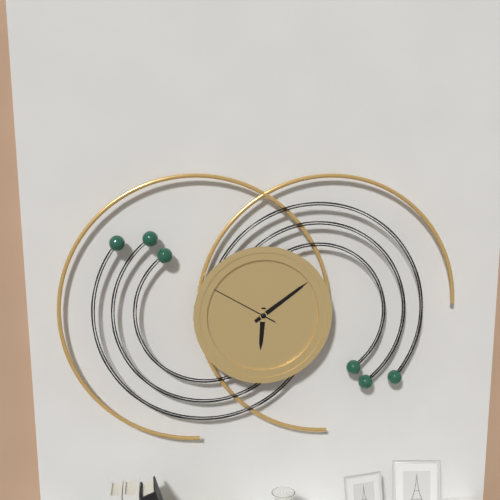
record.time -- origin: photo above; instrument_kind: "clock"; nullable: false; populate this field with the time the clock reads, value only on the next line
6:09:50
